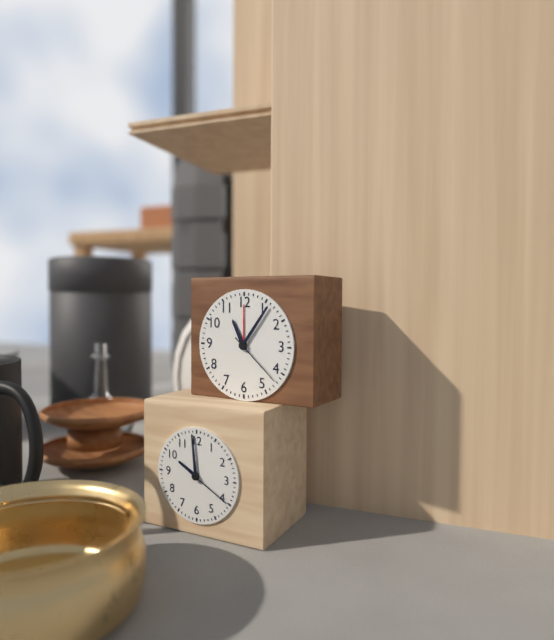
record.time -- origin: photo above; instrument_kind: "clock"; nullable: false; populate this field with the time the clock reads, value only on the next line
11:06:22
